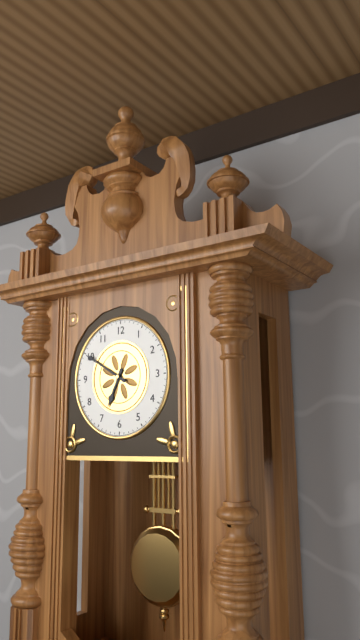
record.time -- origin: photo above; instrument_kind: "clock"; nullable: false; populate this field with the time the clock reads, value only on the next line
6:50
